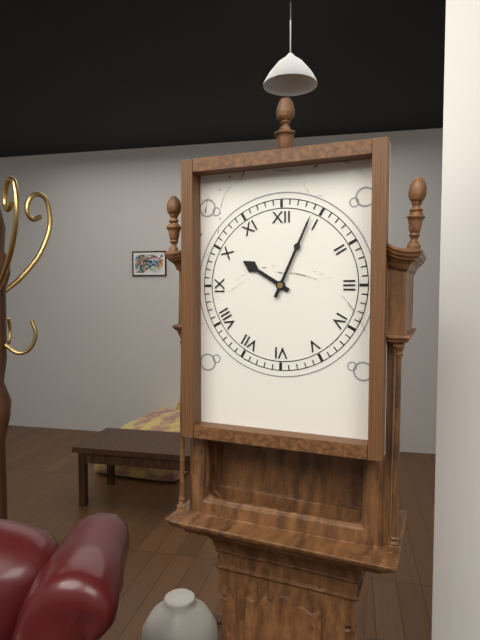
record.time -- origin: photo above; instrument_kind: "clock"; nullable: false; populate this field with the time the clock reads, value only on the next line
10:04
